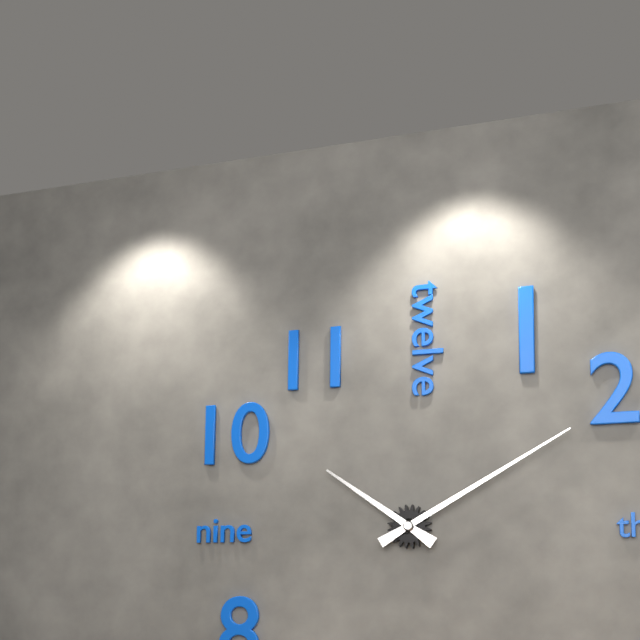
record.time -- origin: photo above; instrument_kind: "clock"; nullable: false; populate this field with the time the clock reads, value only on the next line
10:10
